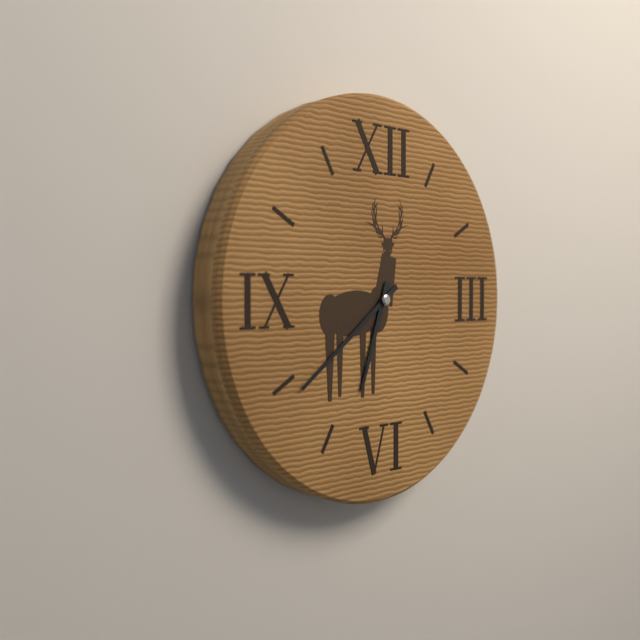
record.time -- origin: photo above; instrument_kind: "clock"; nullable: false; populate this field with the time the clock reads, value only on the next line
6:39
